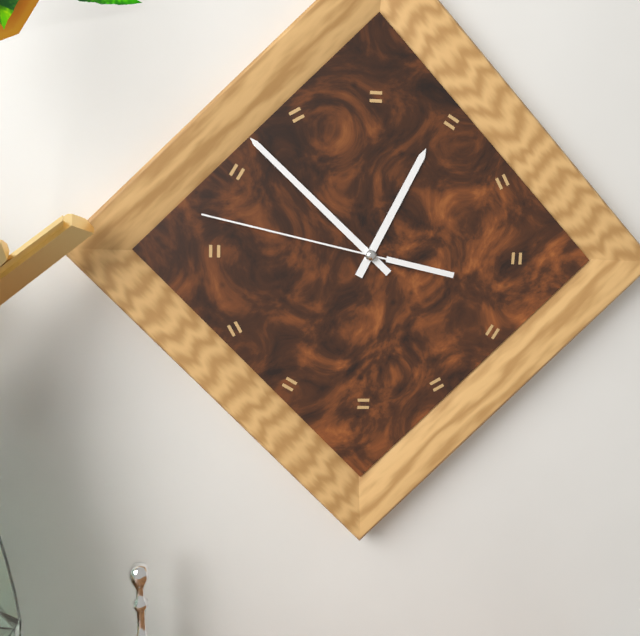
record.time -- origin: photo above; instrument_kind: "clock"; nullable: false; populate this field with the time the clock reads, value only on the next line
12:52:47
